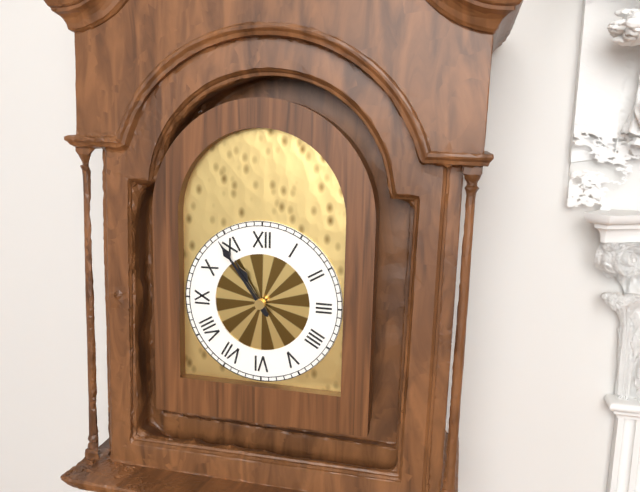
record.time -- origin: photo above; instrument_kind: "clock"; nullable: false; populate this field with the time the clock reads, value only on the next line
10:54
